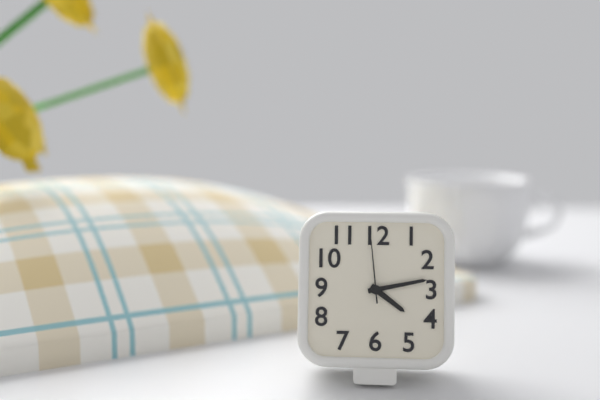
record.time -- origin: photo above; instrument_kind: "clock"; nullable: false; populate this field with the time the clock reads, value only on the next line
4:13:59
